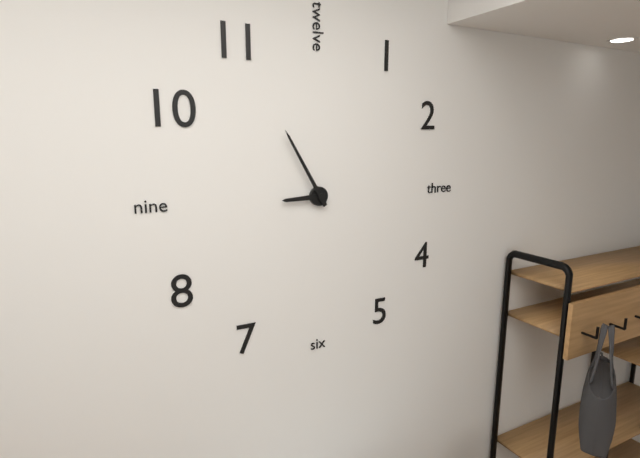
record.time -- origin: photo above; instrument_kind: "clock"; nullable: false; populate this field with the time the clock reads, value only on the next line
8:55
